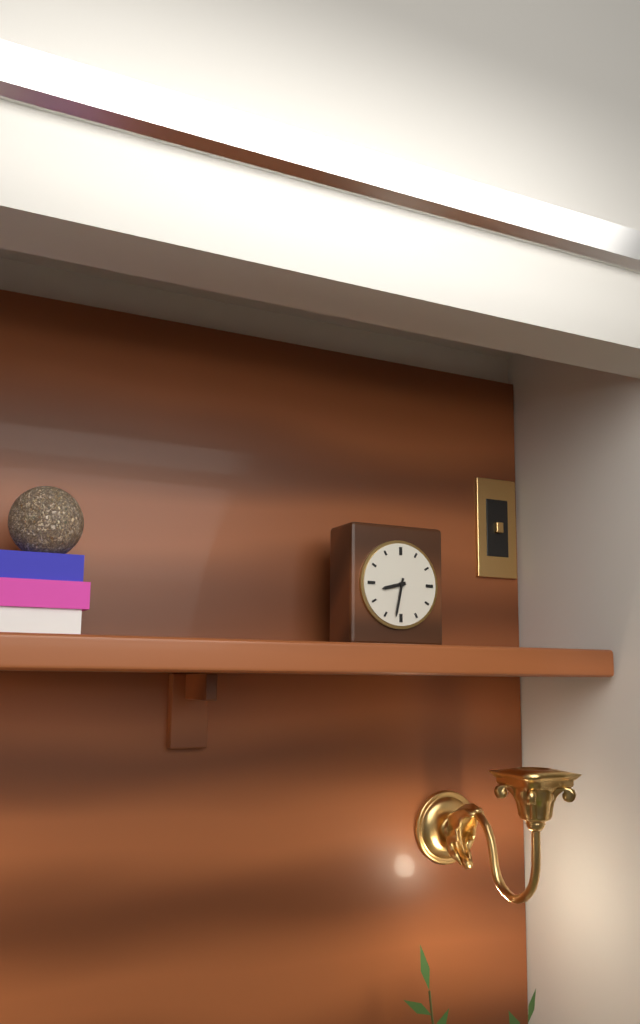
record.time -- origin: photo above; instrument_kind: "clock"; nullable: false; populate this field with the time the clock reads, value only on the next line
8:32
